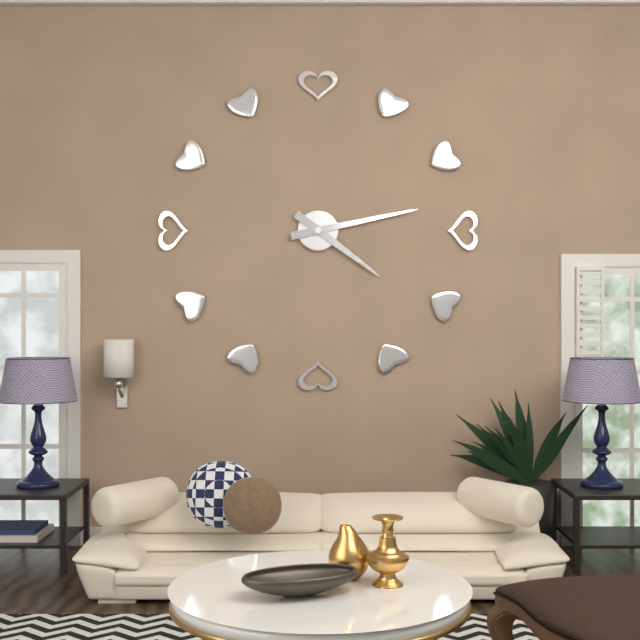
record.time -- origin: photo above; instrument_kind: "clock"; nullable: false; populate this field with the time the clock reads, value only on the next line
4:13
